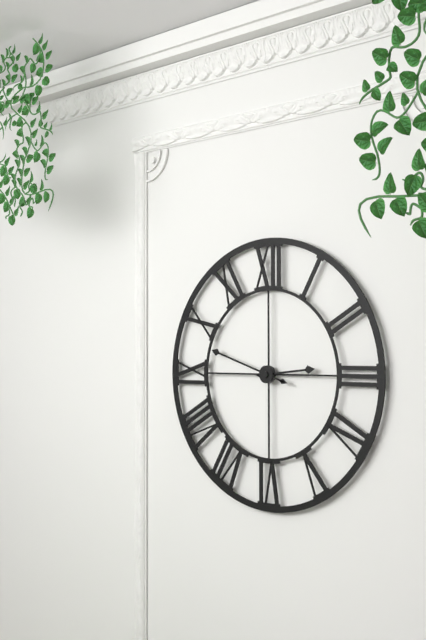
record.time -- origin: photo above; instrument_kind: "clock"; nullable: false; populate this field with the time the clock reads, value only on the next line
2:48
